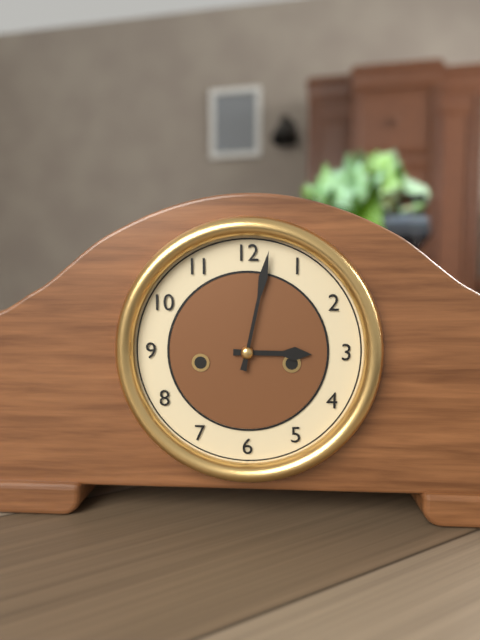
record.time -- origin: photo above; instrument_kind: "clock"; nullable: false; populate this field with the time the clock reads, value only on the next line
3:02
